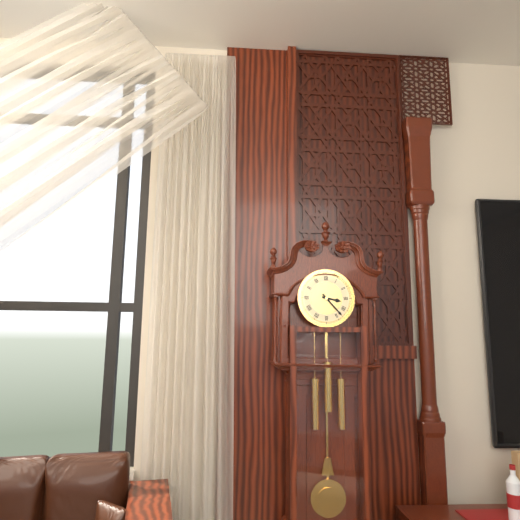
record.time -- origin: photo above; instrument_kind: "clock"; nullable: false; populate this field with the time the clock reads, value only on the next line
3:23
